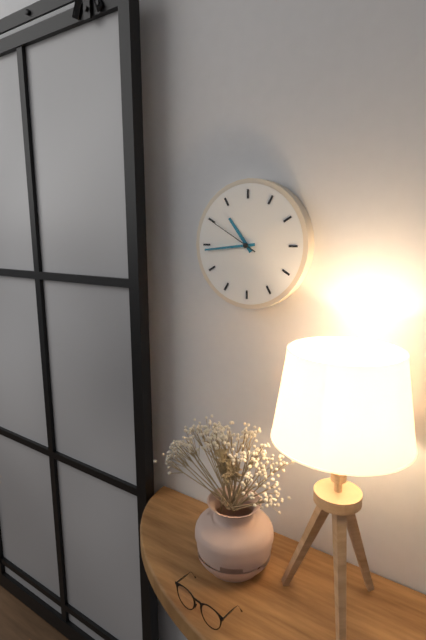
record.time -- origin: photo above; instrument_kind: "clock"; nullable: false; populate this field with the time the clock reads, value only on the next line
10:44:50
